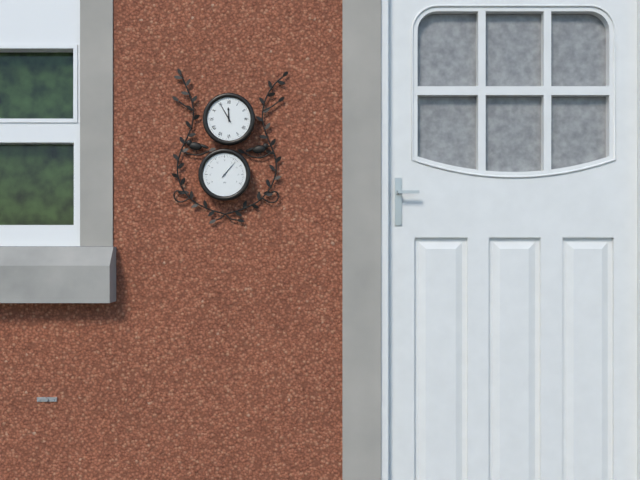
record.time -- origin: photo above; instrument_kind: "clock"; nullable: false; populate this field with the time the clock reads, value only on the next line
11:55
